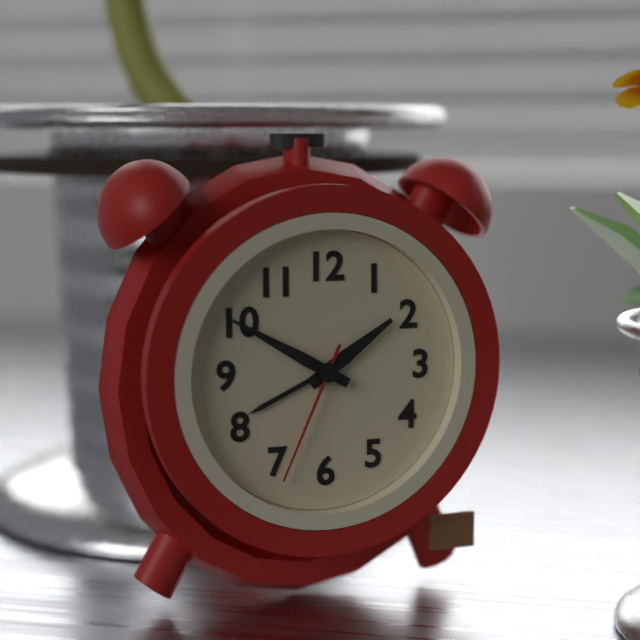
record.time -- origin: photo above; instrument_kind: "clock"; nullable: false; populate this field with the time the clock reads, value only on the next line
1:50:34
